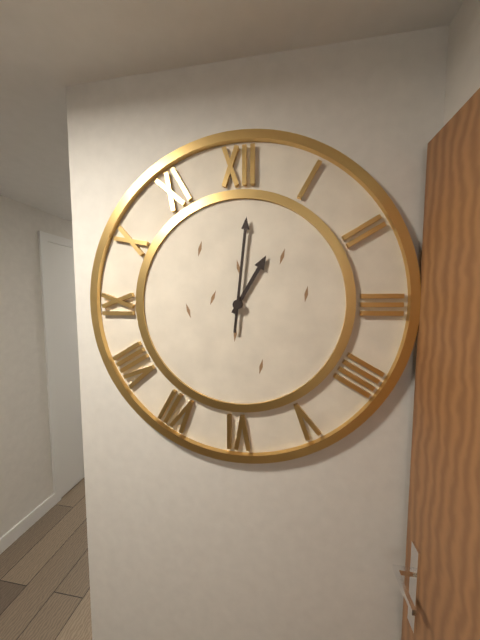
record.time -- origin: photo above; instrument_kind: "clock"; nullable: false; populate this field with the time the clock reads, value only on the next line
1:01
